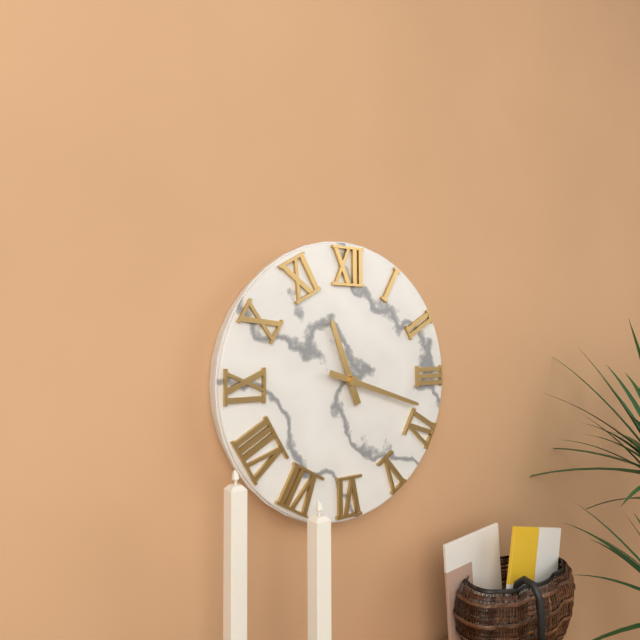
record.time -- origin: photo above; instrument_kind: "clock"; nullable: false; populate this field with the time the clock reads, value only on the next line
11:18
